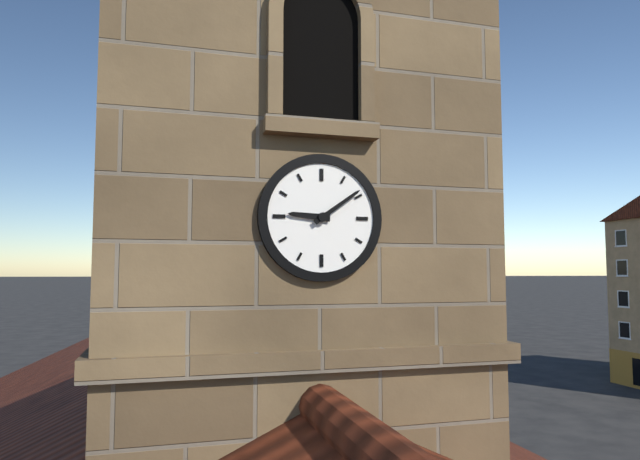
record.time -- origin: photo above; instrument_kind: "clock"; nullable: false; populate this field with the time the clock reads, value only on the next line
9:09
